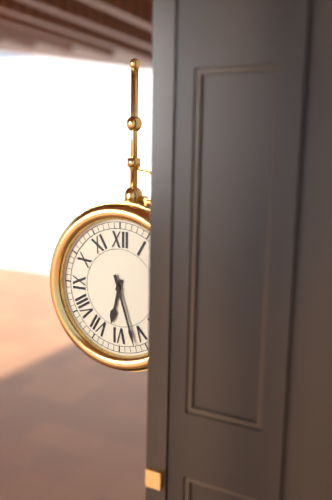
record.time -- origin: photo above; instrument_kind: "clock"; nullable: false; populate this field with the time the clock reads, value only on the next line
6:27
